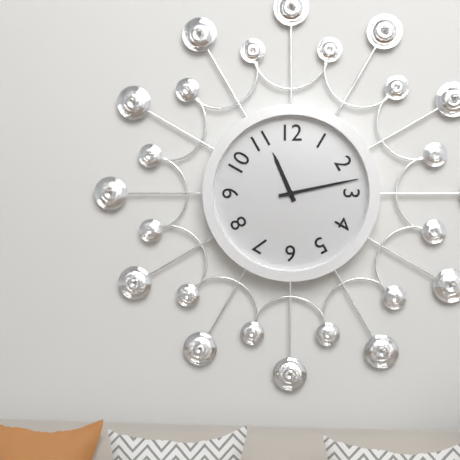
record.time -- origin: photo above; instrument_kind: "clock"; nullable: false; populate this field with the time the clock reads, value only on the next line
11:13
